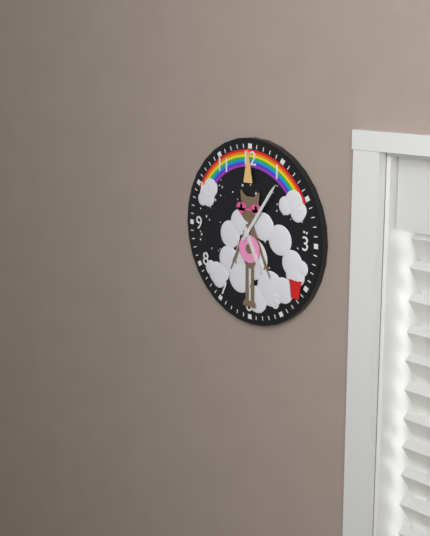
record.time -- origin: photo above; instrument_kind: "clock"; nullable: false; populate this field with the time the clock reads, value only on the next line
5:06
